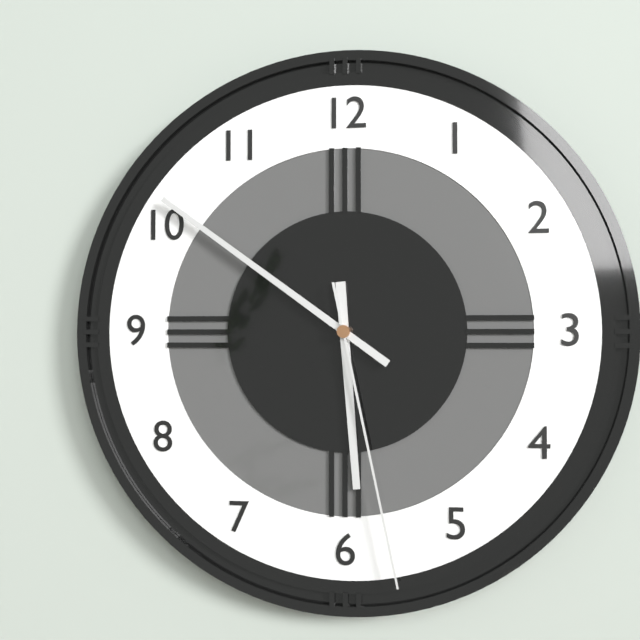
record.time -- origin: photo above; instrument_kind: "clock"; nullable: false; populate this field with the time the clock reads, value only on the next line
5:51:28
